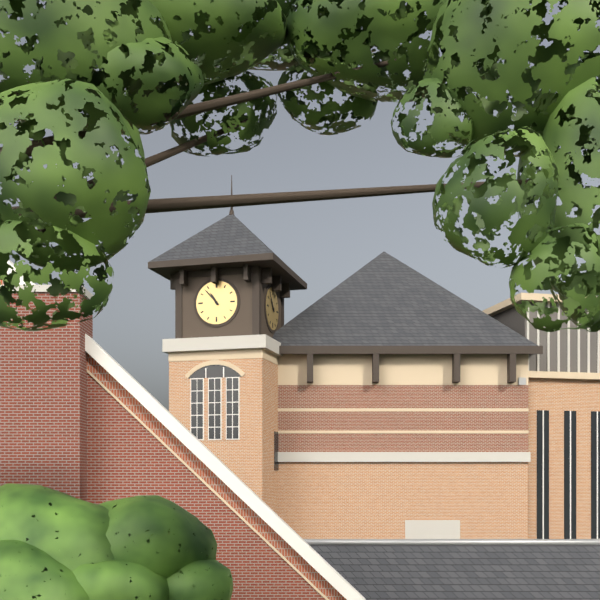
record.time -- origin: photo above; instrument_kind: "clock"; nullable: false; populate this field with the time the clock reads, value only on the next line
10:53
